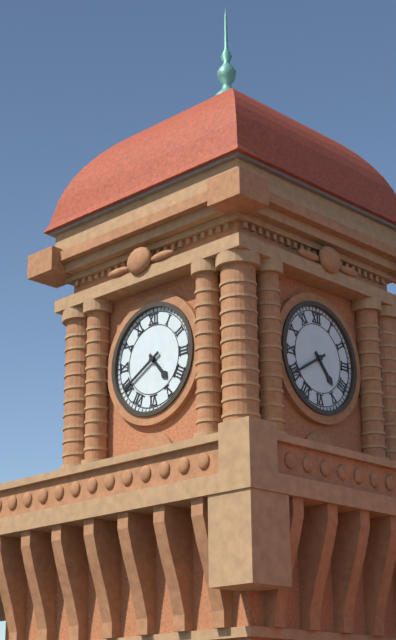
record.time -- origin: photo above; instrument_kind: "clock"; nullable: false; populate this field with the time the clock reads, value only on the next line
4:40
